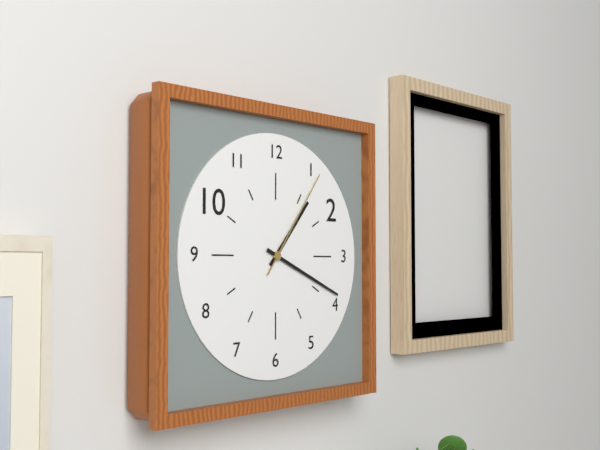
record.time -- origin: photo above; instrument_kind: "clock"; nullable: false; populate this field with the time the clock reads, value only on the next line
1:19:06
